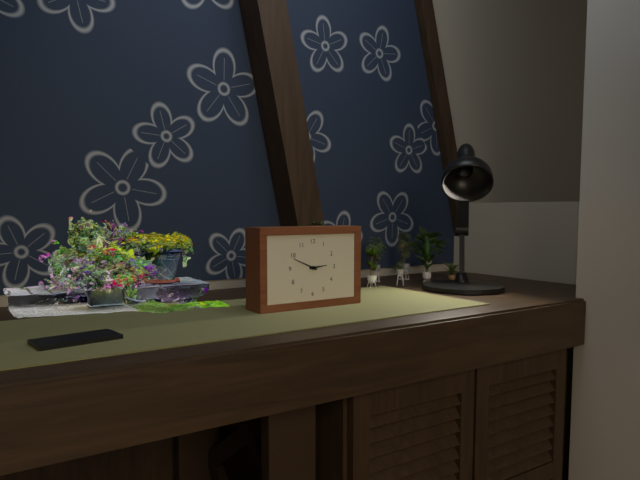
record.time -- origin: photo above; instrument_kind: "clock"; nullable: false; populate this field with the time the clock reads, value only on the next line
2:49
